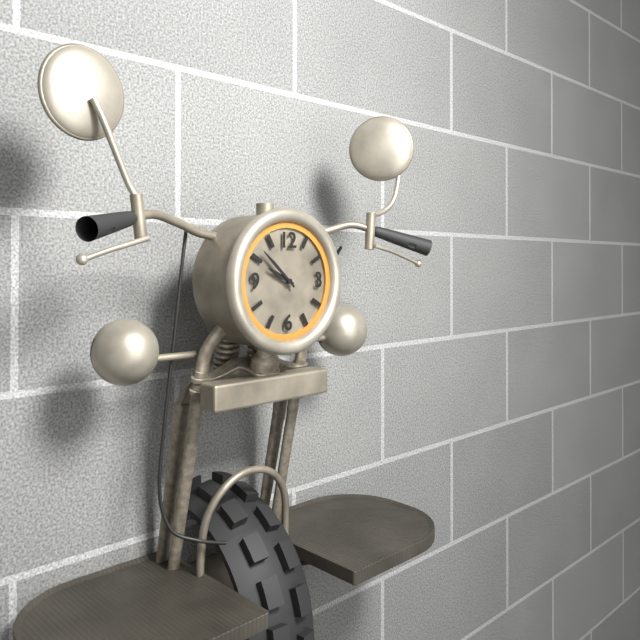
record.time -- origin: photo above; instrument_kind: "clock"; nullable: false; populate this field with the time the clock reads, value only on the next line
9:52
